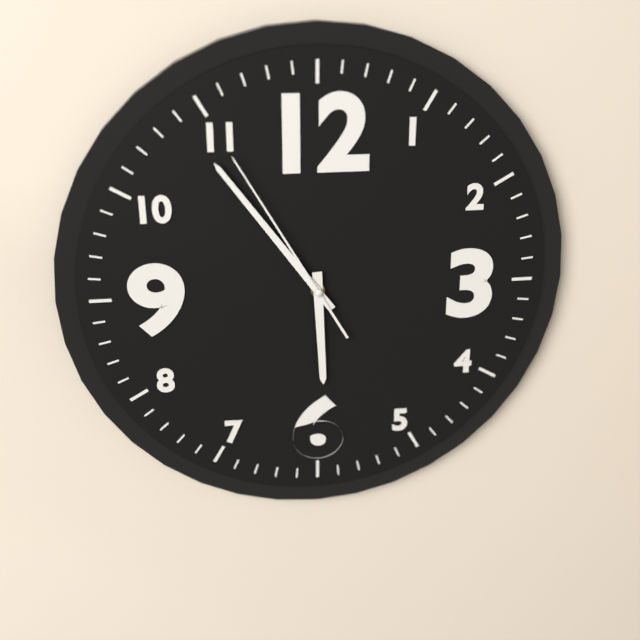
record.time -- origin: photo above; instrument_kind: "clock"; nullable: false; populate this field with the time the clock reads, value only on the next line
5:54:55
